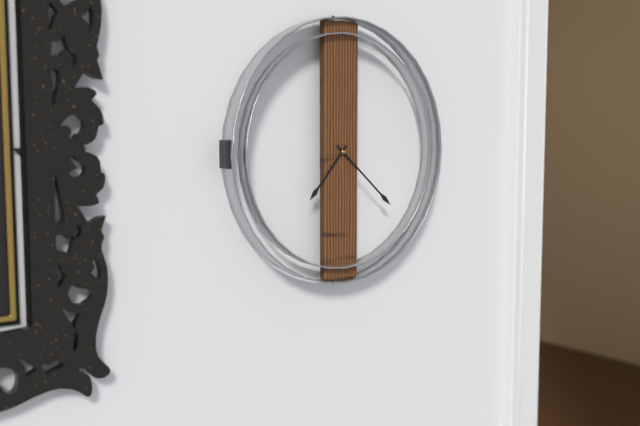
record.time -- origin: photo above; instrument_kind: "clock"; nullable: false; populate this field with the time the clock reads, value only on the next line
7:22
